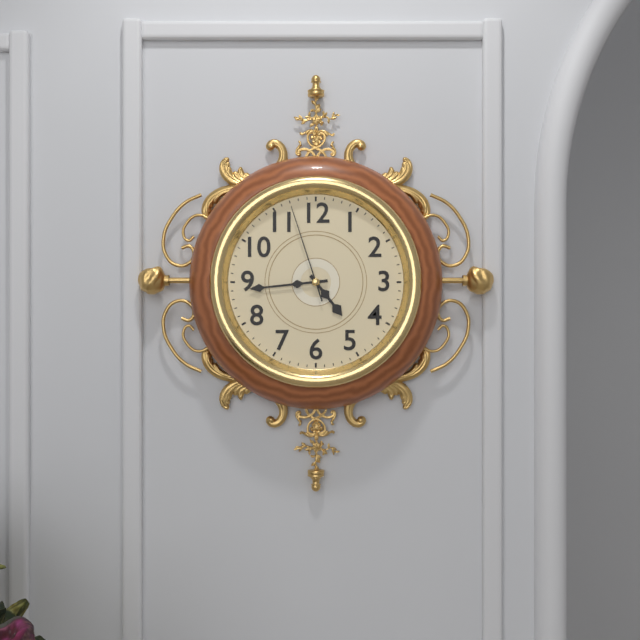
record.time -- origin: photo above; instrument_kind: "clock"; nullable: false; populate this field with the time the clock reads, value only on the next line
4:44:57
